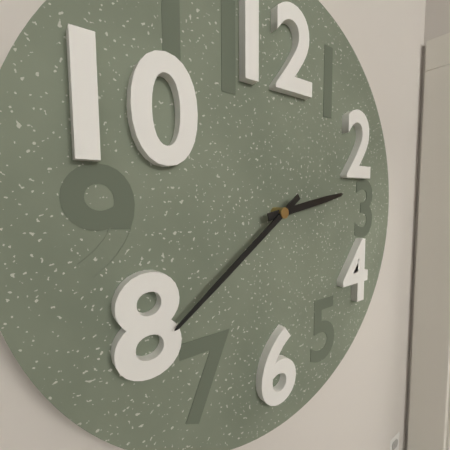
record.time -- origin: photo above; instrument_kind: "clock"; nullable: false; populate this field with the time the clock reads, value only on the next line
2:39
